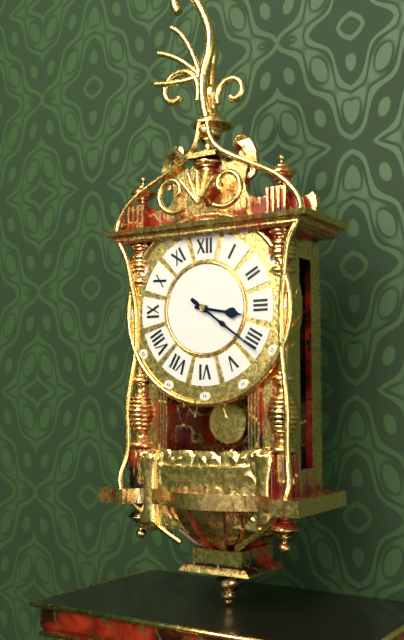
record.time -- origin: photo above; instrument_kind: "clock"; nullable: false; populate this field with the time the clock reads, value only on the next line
3:21
